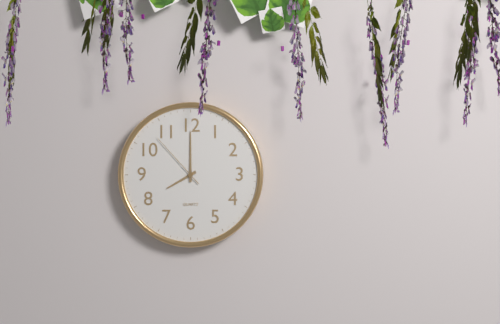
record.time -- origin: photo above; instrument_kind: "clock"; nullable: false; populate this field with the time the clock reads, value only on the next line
8:00:53
